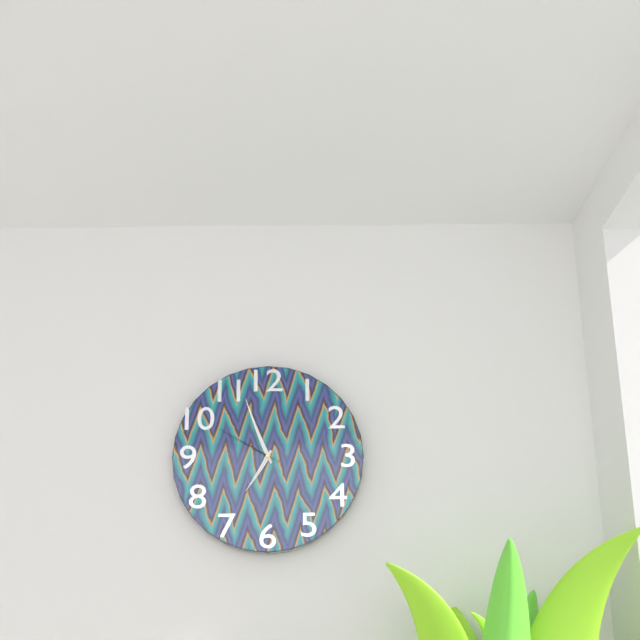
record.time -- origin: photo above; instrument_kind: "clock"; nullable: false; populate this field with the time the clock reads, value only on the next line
6:56:50
